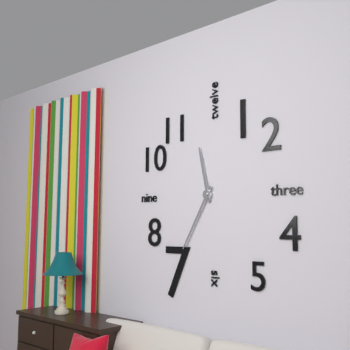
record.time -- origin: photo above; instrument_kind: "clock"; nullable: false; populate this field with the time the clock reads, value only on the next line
11:35
